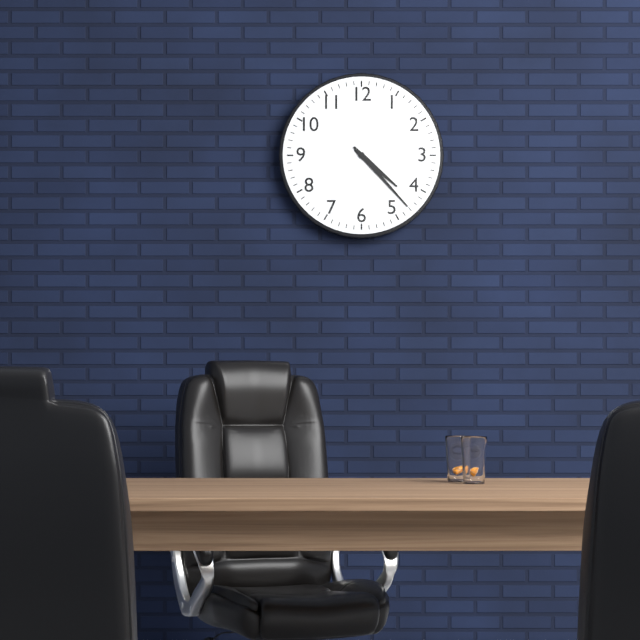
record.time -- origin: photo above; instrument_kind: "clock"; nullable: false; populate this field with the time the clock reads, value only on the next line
4:23
